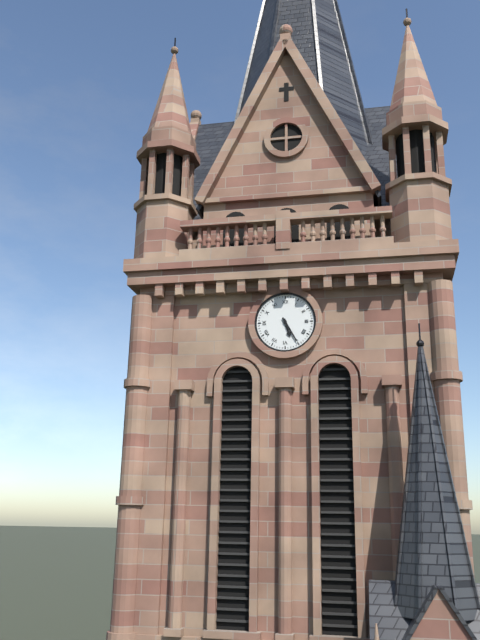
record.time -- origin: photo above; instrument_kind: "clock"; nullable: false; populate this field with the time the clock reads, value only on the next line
5:25
